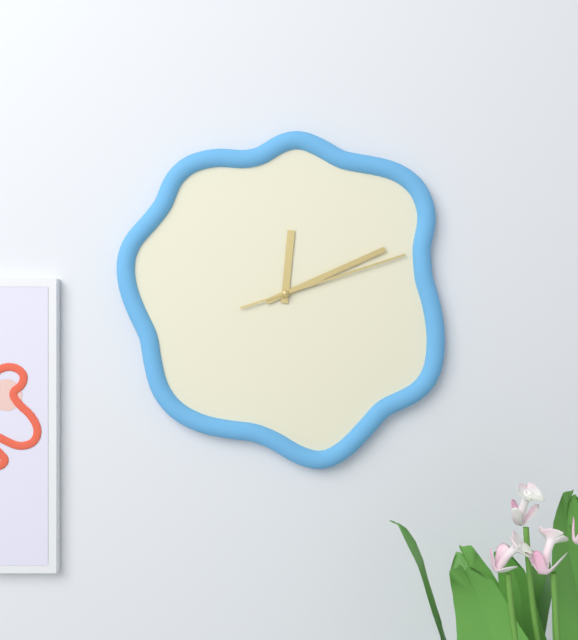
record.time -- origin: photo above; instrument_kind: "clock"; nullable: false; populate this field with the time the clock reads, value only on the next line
12:11:12
